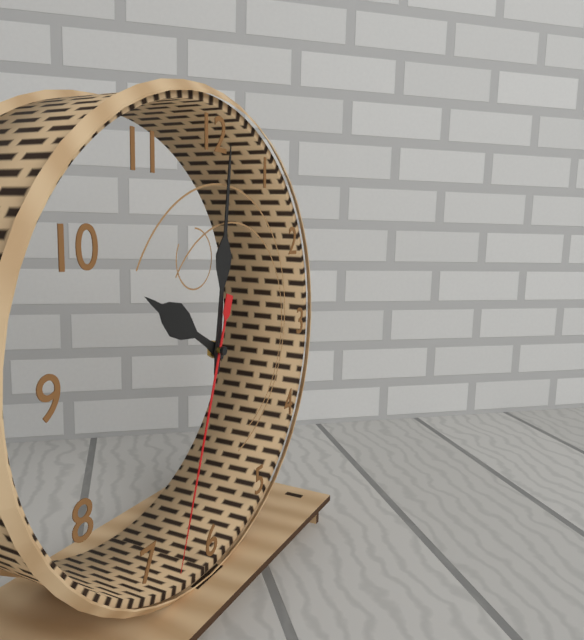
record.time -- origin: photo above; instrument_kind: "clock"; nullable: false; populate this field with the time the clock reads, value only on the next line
10:01:33
